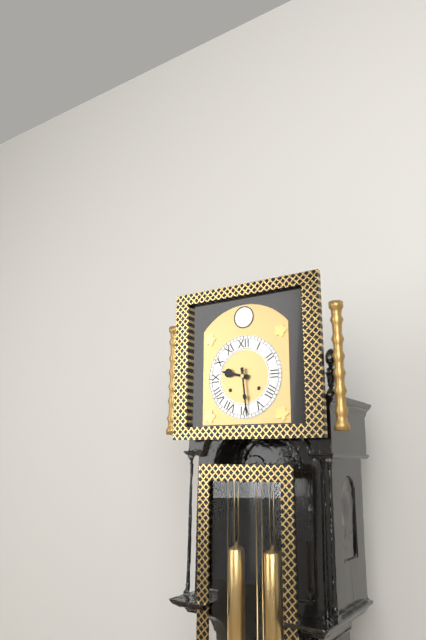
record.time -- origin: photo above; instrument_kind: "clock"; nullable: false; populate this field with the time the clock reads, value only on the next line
9:29
